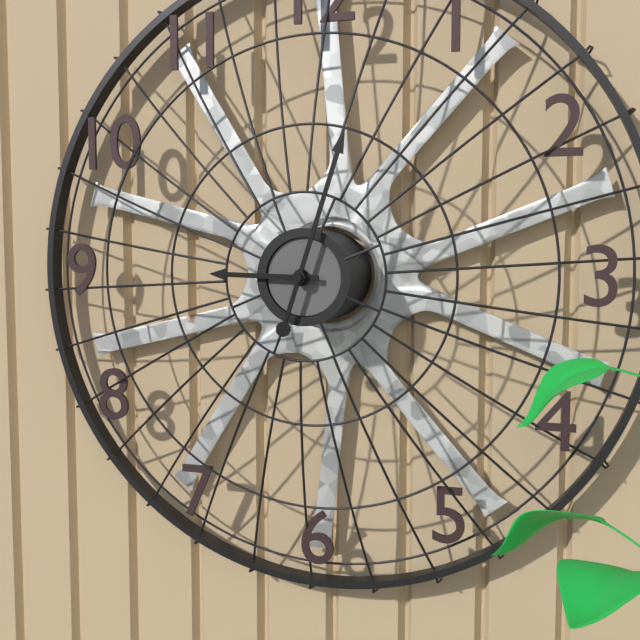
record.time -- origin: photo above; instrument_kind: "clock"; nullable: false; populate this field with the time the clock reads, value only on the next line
9:03
